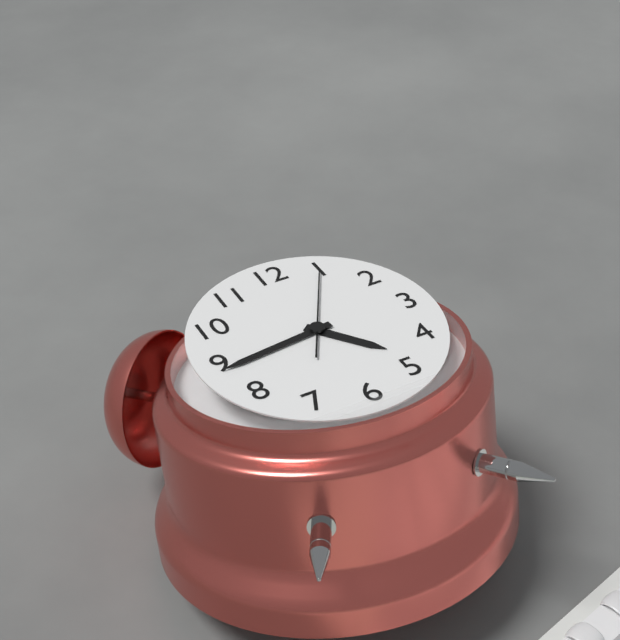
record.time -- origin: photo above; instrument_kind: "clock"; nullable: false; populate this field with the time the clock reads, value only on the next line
4:44:05
